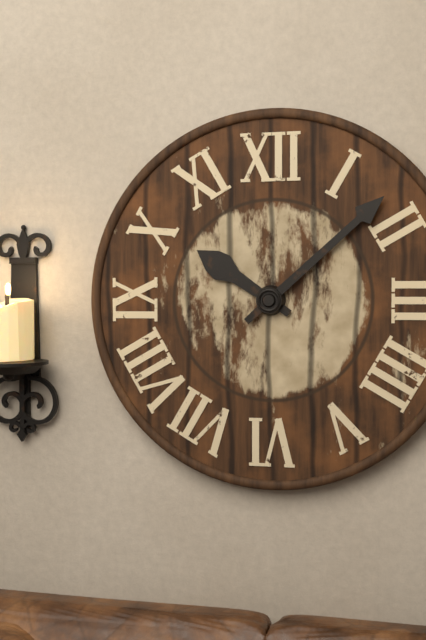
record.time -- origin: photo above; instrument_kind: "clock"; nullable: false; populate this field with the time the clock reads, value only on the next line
10:08
